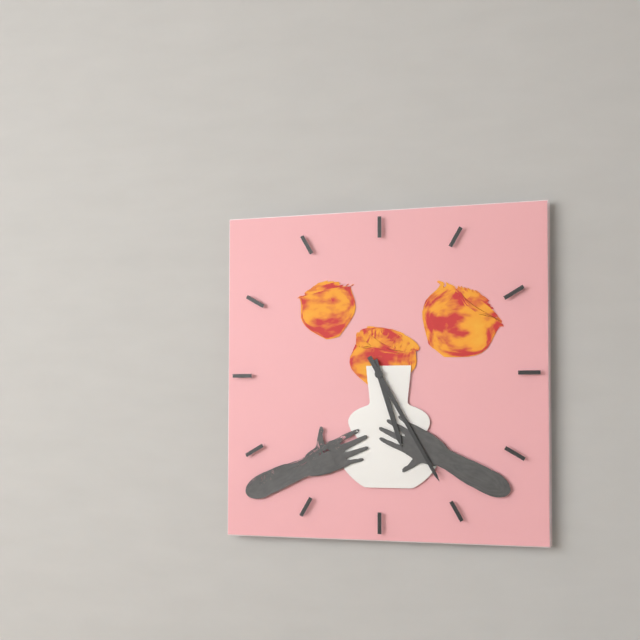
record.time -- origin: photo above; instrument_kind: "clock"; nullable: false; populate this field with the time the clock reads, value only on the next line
5:25
